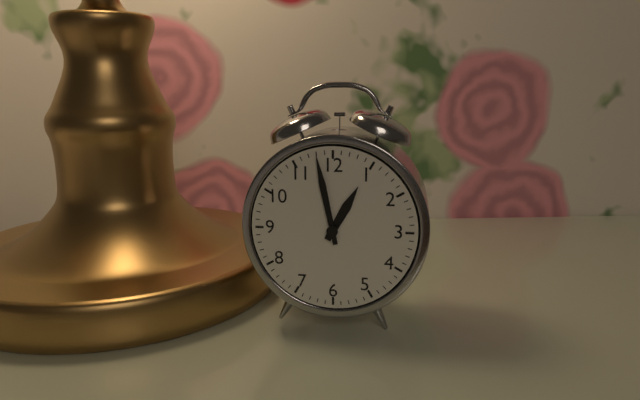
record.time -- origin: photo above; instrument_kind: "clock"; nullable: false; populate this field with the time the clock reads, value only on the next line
12:58
